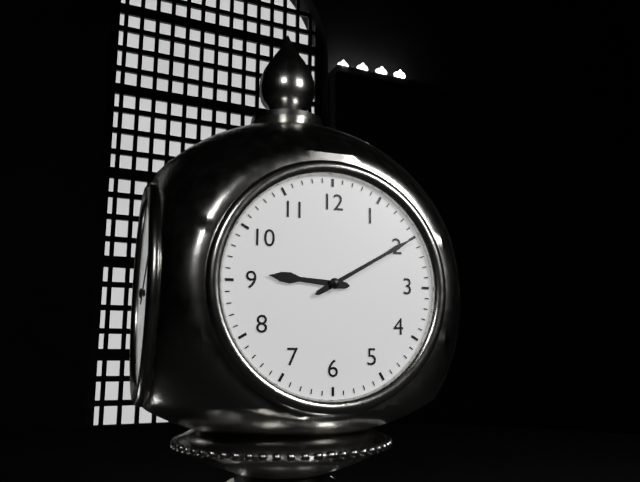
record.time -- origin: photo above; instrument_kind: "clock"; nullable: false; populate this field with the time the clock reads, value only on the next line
9:10
